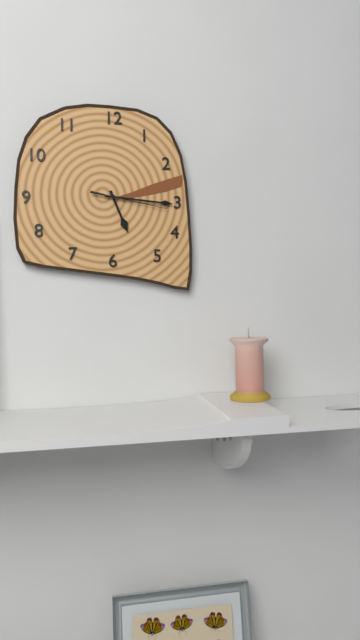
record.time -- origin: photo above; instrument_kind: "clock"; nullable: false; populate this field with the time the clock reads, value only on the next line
5:16:17
